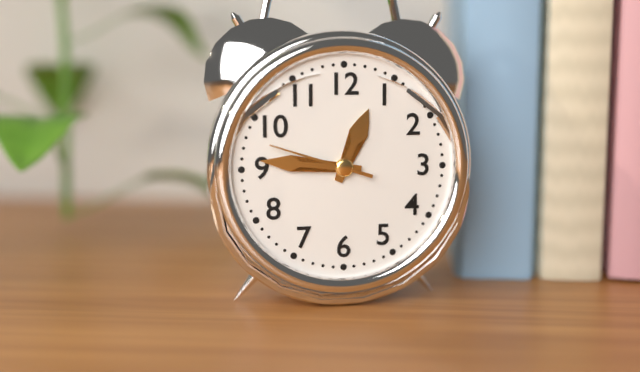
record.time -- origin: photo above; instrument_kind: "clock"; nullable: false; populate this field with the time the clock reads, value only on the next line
12:46:48
